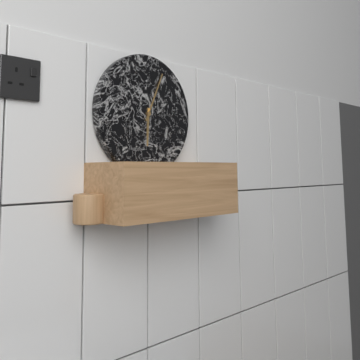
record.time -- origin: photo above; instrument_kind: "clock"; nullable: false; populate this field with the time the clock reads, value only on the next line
6:04
